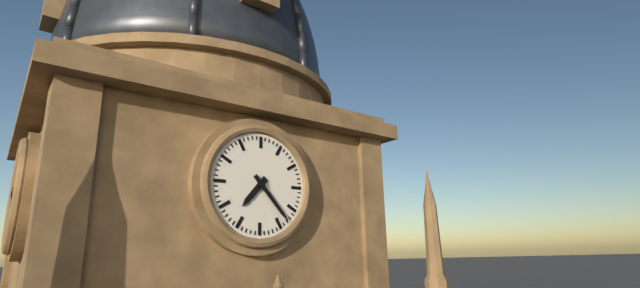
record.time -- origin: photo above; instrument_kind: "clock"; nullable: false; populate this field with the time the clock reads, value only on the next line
7:23
